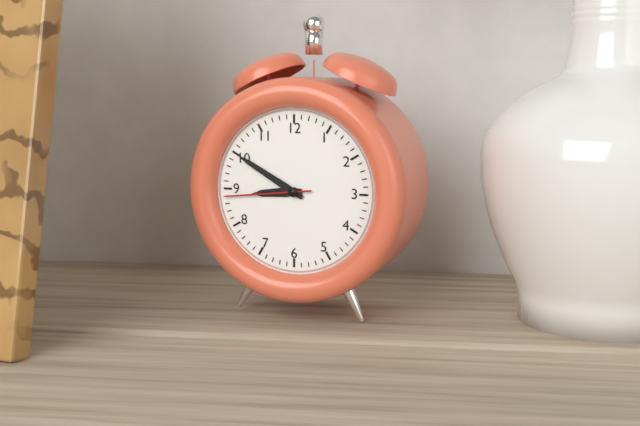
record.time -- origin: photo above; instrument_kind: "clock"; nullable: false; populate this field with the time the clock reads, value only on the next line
8:50:44
